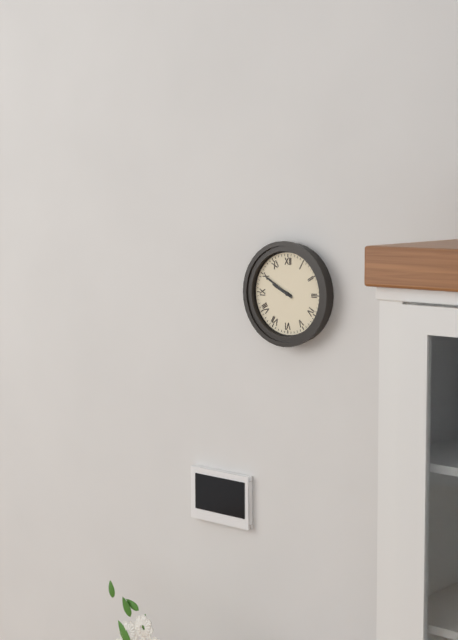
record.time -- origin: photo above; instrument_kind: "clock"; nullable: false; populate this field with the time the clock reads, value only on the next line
9:50
